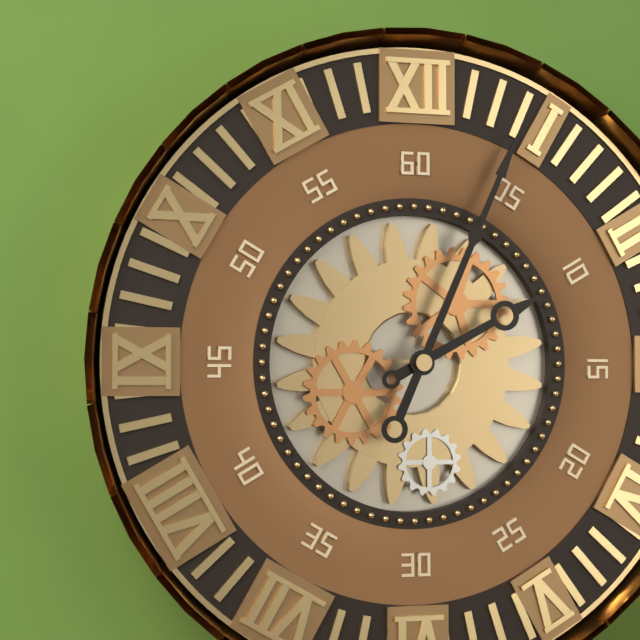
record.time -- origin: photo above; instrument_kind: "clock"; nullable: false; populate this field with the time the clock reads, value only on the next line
2:04
